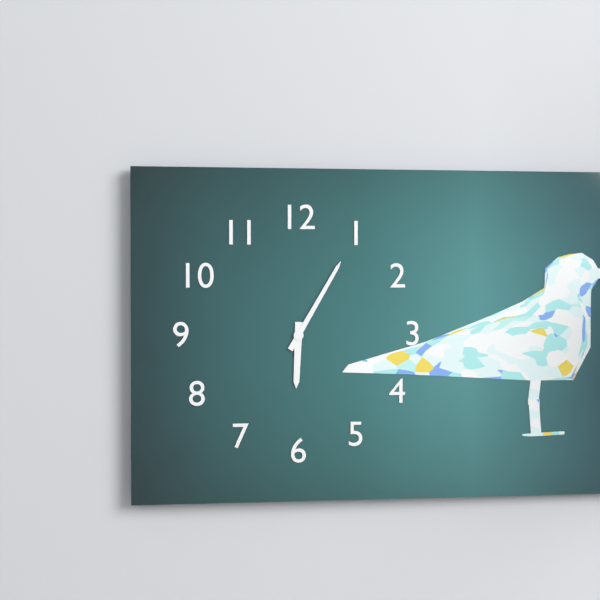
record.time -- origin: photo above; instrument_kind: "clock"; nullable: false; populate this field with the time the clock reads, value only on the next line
6:05
